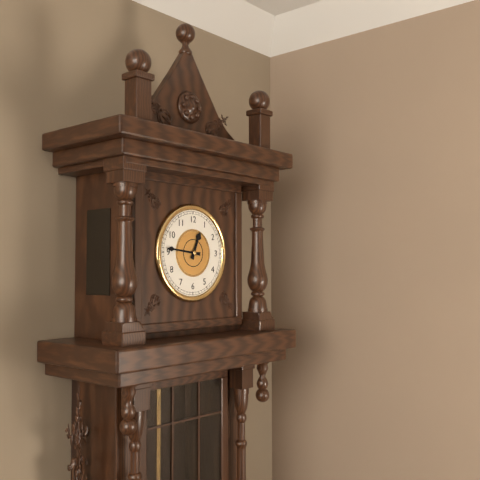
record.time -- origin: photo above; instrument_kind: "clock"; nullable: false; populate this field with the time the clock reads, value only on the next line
12:46
